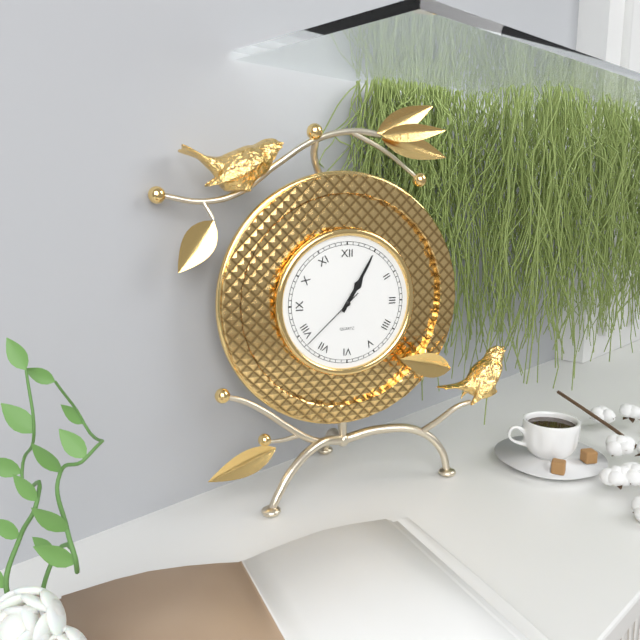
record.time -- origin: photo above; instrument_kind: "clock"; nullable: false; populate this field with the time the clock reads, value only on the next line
1:05:38
